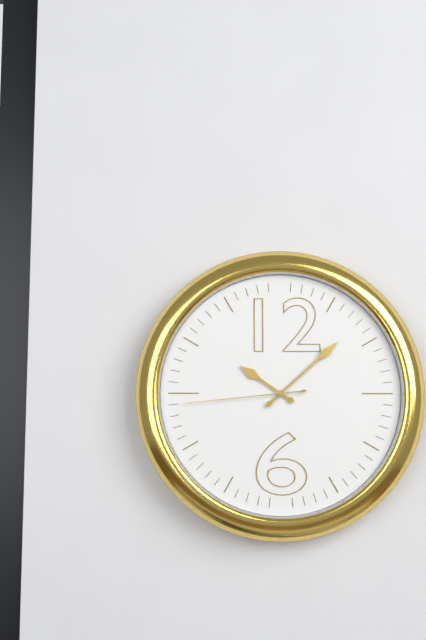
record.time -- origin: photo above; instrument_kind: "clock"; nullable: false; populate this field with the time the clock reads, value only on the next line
10:08:44
